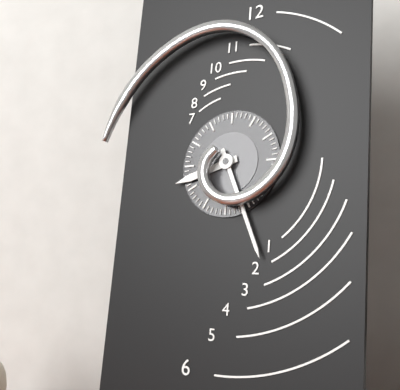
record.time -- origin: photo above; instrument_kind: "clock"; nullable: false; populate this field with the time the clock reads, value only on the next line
8:26
